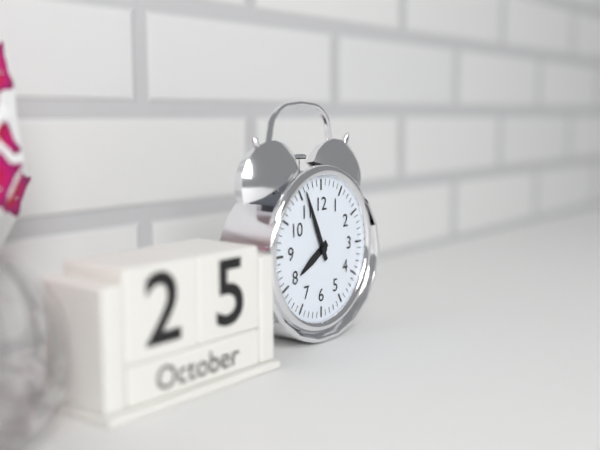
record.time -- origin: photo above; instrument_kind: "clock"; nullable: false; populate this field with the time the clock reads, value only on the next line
7:56
